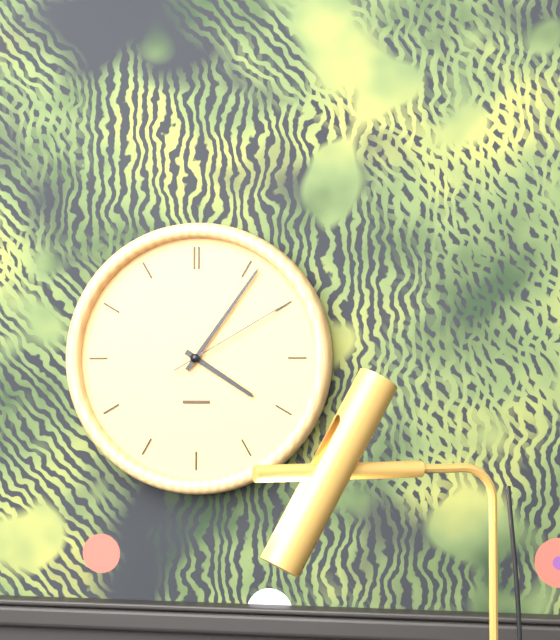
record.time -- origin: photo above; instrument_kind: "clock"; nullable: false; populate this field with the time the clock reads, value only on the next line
4:06:10
